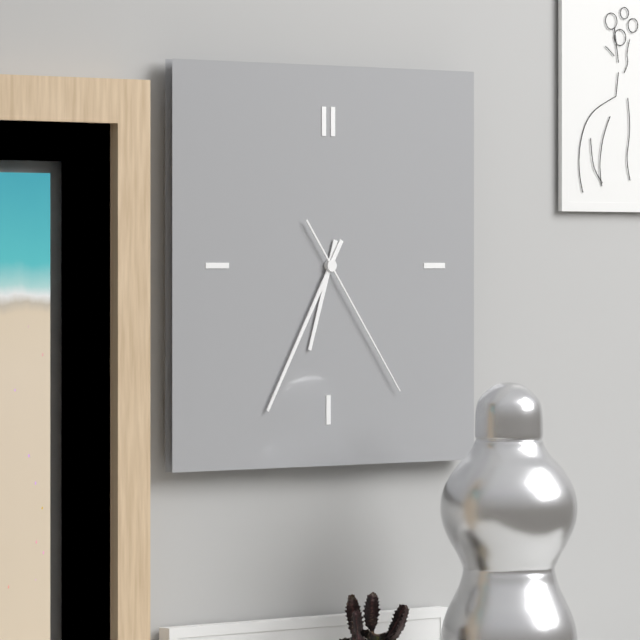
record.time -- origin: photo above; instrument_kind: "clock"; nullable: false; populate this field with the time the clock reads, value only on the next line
6:35:24
